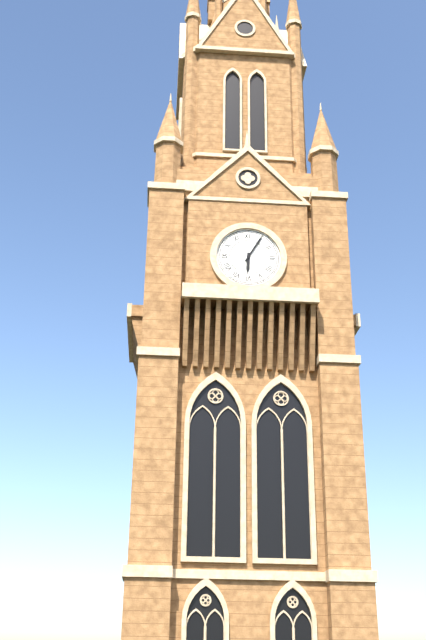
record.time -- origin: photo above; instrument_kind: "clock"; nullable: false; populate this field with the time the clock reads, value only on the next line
6:05
